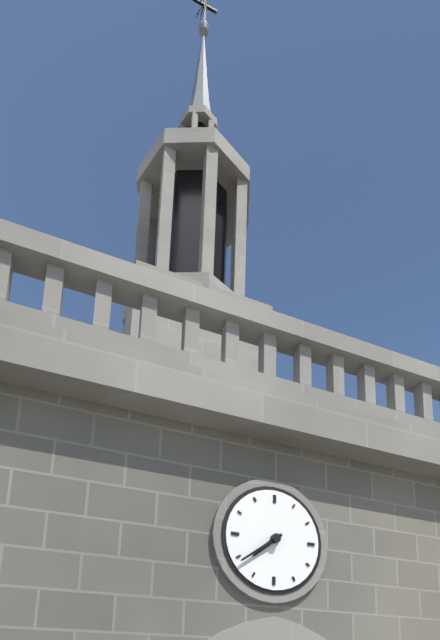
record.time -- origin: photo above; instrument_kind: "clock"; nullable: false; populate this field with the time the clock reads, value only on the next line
7:39
